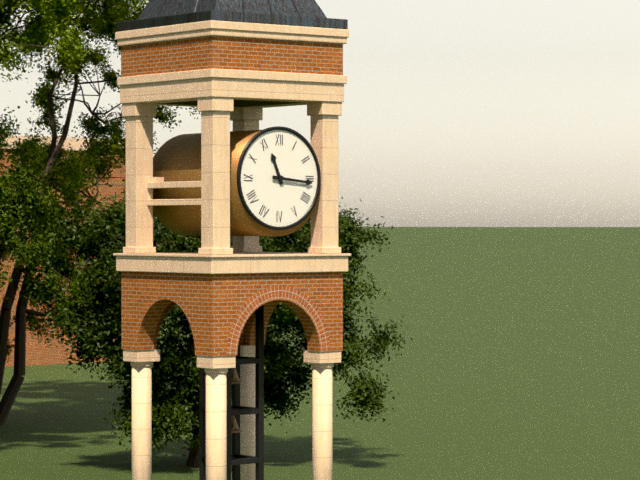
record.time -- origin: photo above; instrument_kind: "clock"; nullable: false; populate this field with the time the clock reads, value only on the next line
11:16
